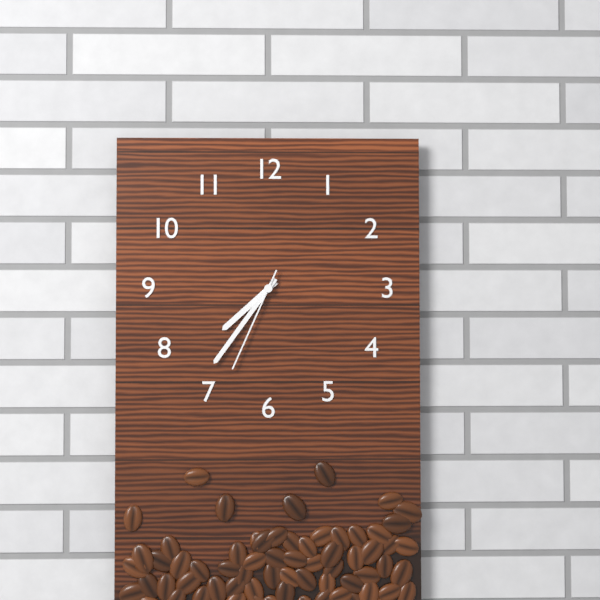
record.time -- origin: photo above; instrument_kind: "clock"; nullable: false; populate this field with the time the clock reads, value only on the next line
7:36:34
